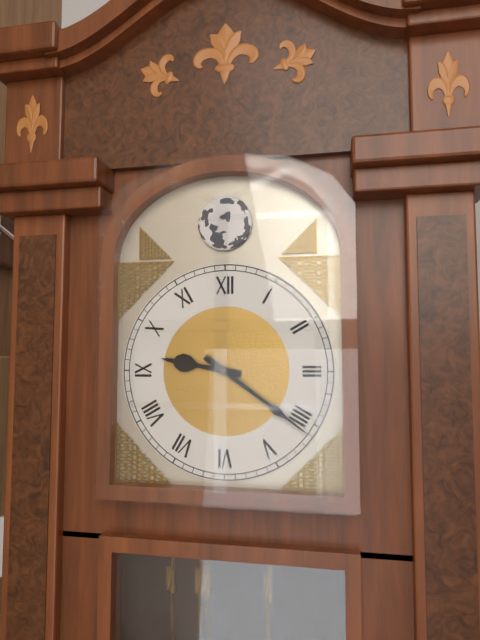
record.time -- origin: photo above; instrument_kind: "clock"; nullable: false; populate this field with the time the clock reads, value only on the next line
9:21
